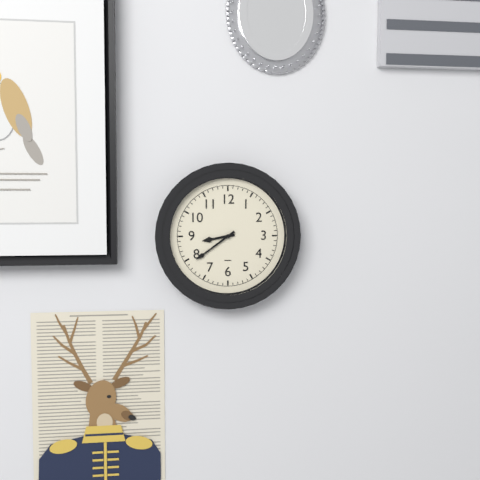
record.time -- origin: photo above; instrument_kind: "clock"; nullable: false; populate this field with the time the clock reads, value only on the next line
8:39
